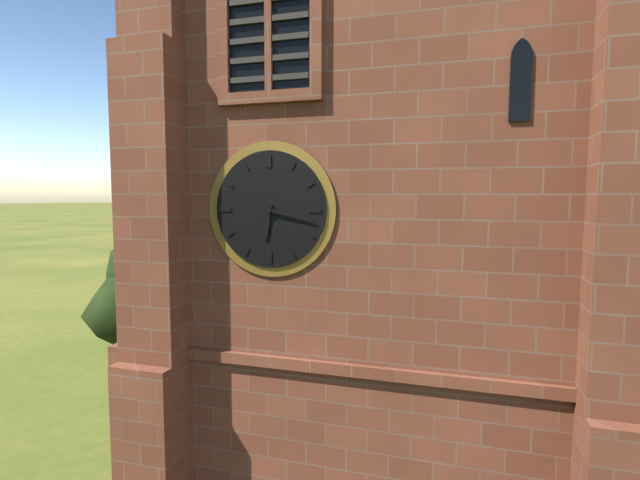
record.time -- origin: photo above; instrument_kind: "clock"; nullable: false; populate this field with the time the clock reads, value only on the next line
6:17
